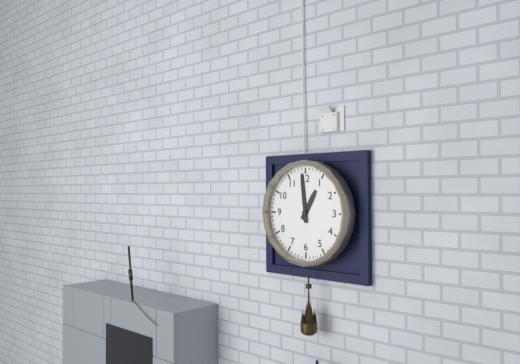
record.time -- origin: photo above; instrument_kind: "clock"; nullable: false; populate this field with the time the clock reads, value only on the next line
12:59
